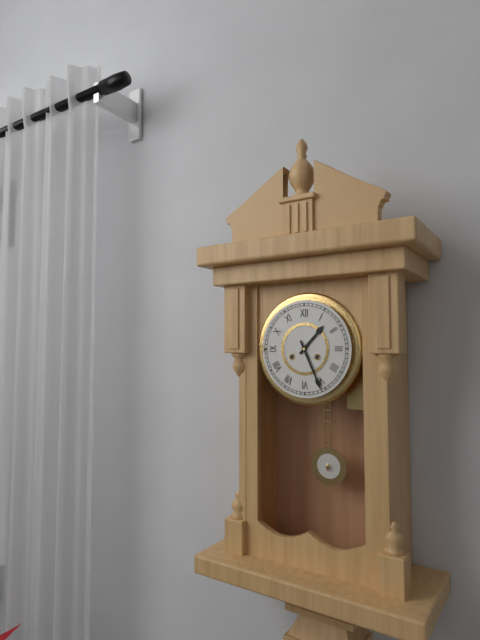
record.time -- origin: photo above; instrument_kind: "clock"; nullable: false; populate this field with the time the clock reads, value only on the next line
1:26
